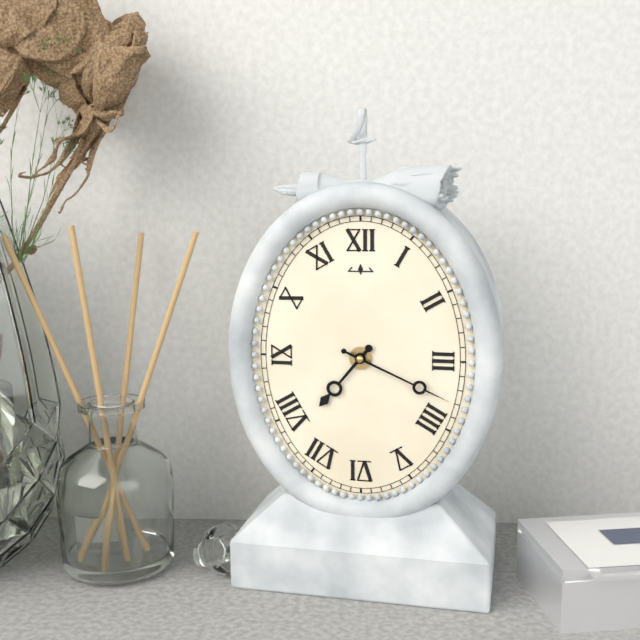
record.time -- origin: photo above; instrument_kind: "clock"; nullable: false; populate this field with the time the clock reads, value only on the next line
7:19
